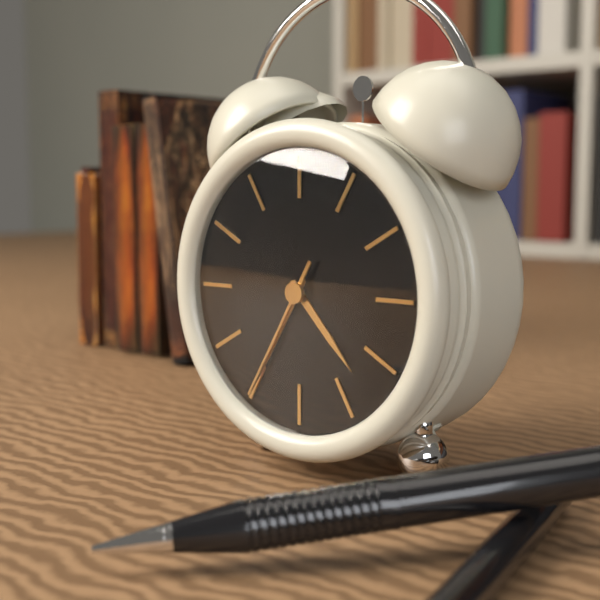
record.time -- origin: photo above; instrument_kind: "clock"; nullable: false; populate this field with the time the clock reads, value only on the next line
4:35:35
